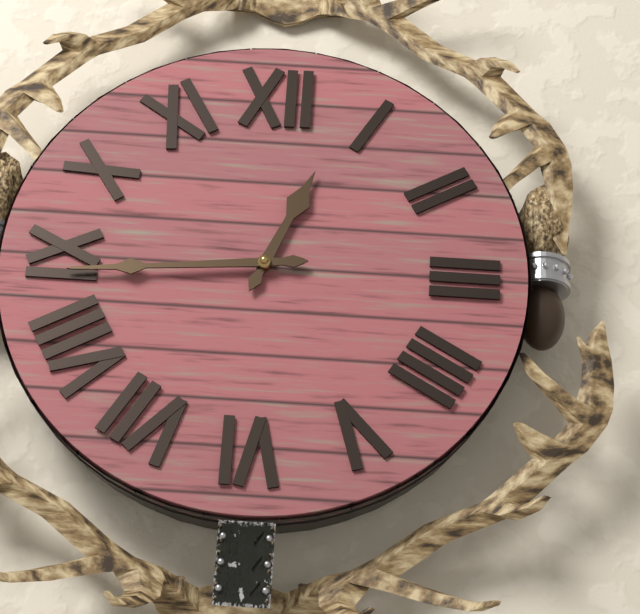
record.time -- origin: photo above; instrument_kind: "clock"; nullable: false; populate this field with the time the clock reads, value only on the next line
12:44
